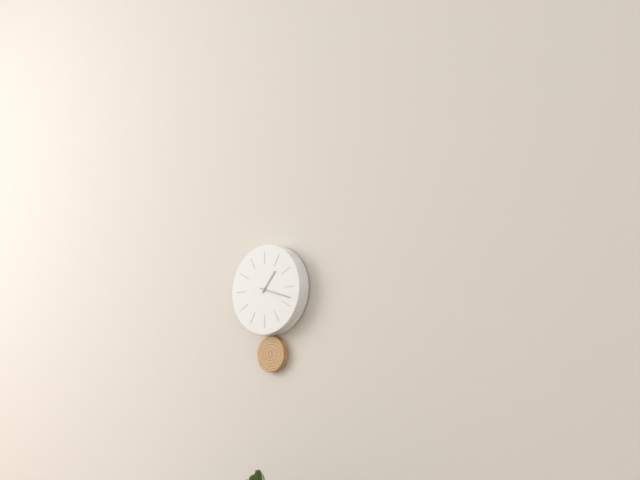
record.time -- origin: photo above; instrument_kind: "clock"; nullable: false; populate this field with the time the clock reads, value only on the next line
1:18
